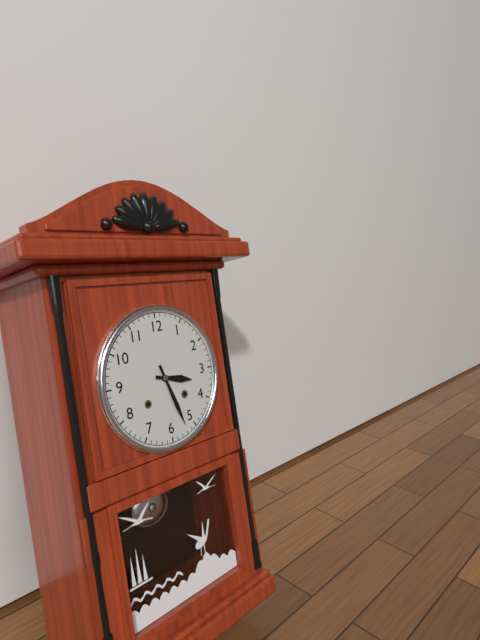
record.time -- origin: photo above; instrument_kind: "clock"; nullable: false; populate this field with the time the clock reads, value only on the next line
3:27
